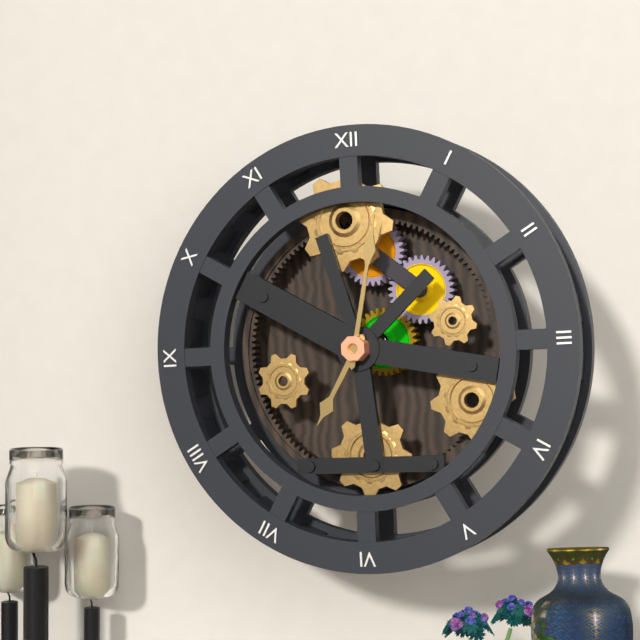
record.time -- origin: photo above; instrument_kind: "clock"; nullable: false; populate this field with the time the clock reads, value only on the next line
7:02
